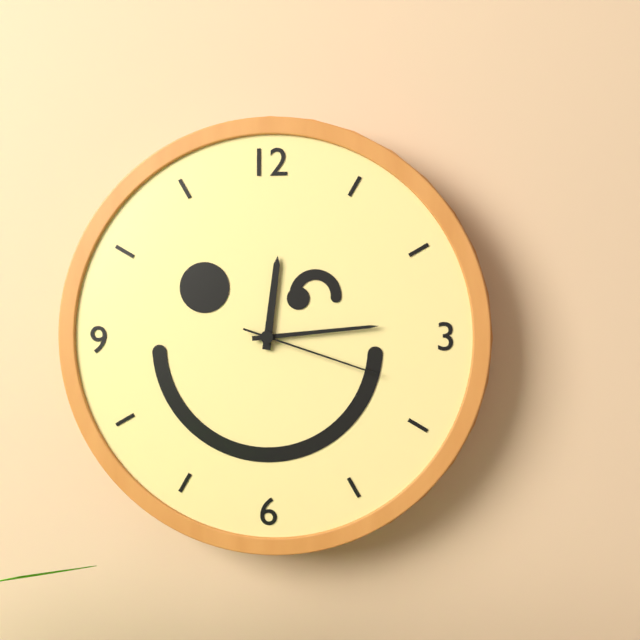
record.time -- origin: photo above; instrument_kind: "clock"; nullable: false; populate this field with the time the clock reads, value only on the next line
12:14:18
